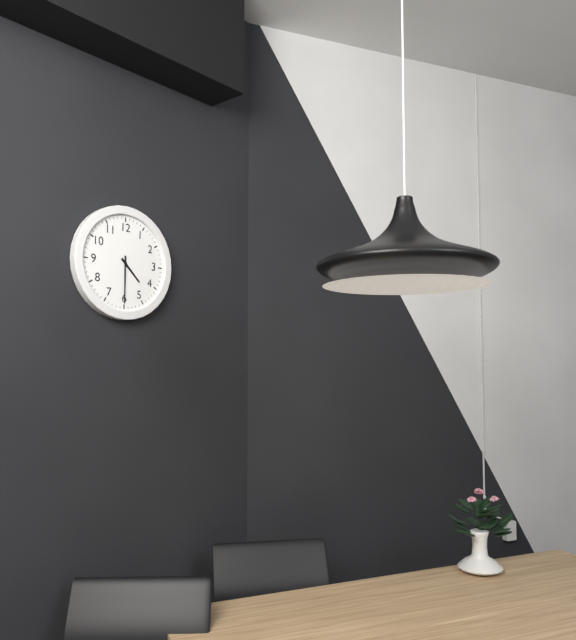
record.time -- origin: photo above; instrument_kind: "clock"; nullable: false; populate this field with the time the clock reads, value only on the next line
4:30
